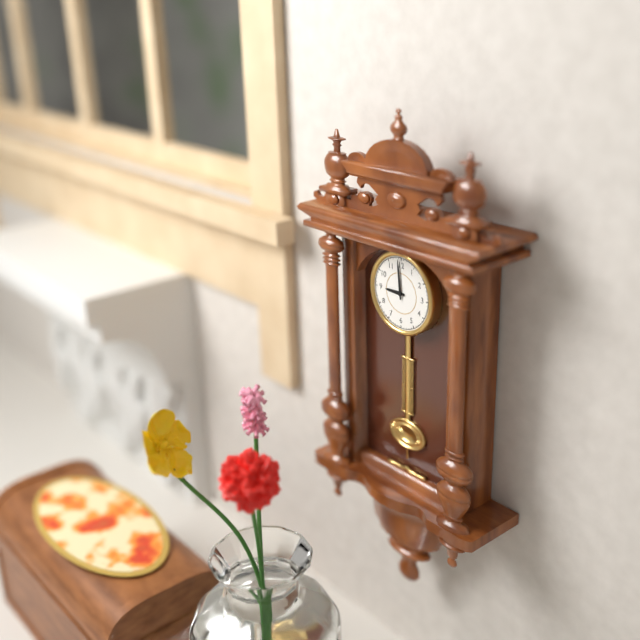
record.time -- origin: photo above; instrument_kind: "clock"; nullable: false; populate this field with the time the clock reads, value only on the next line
8:59
